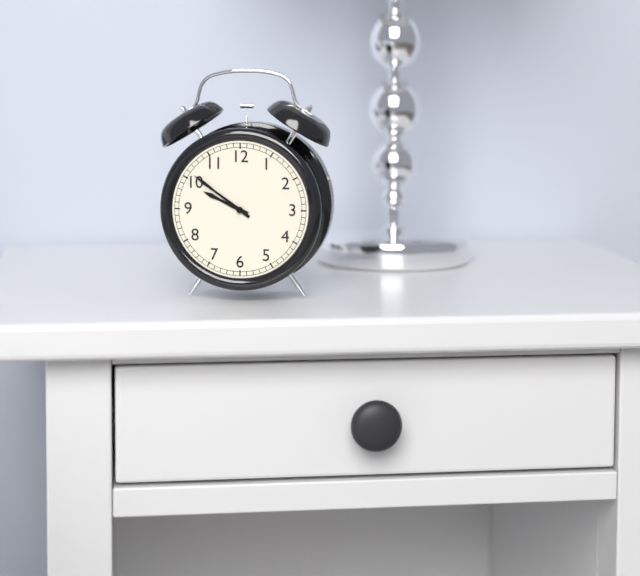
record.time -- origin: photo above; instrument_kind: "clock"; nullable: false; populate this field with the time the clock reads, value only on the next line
9:51
